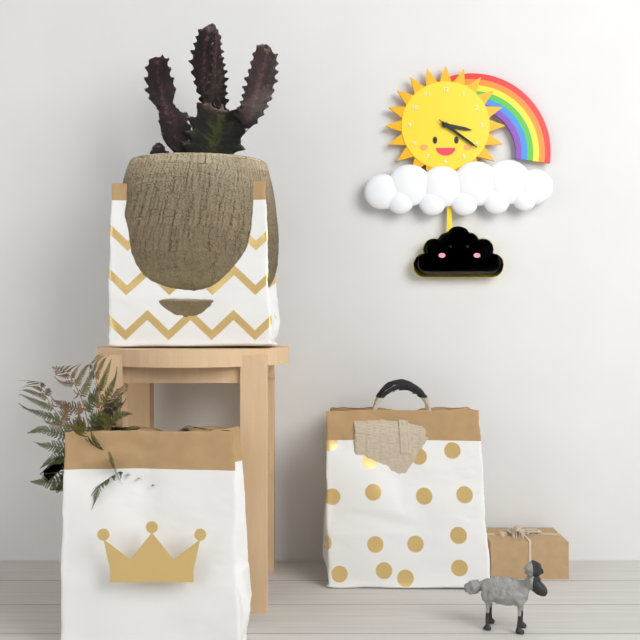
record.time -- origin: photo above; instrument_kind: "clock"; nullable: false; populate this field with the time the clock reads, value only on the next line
3:21
